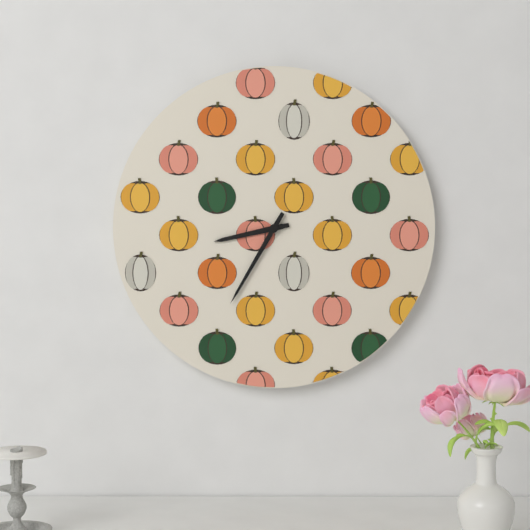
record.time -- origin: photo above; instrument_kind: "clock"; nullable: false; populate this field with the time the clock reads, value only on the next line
8:35
